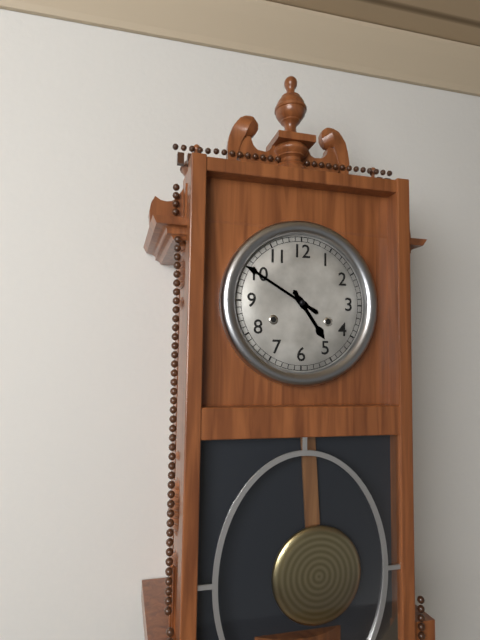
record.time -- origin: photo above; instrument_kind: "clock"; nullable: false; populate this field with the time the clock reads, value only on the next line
4:50
